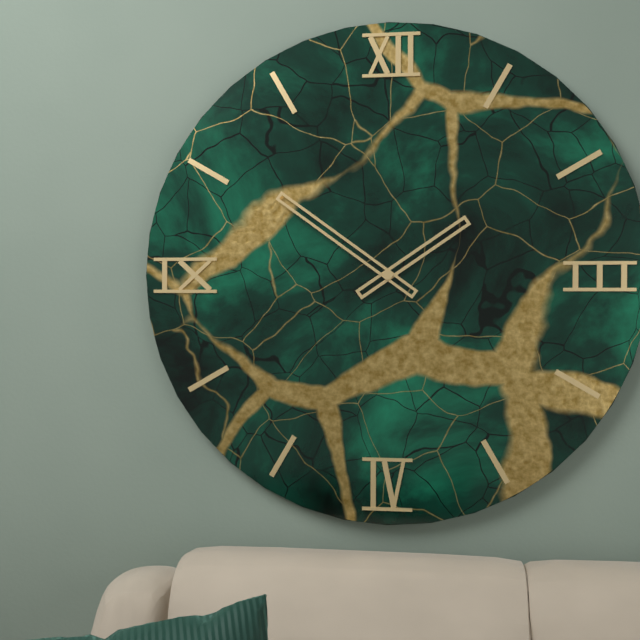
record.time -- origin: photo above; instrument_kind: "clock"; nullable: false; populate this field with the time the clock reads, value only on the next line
1:51
